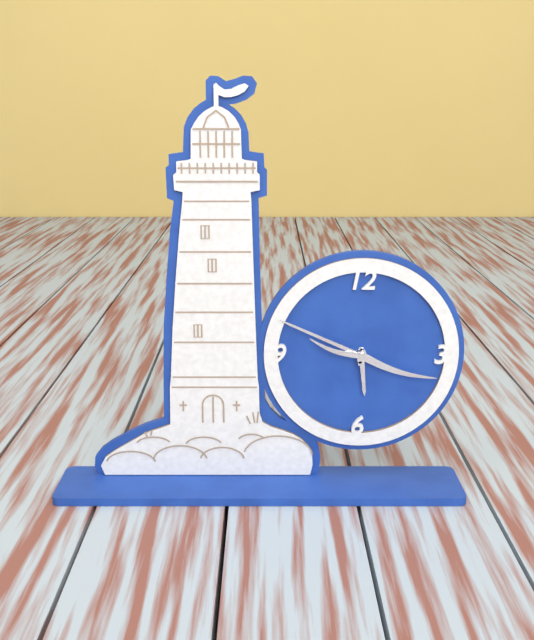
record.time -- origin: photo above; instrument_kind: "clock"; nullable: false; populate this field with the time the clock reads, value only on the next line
5:49:18
